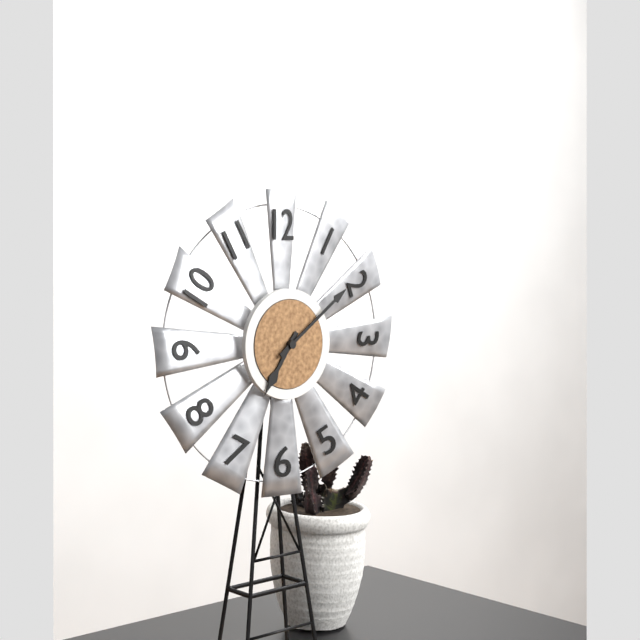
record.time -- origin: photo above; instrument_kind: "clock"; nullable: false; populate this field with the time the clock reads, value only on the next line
7:09
